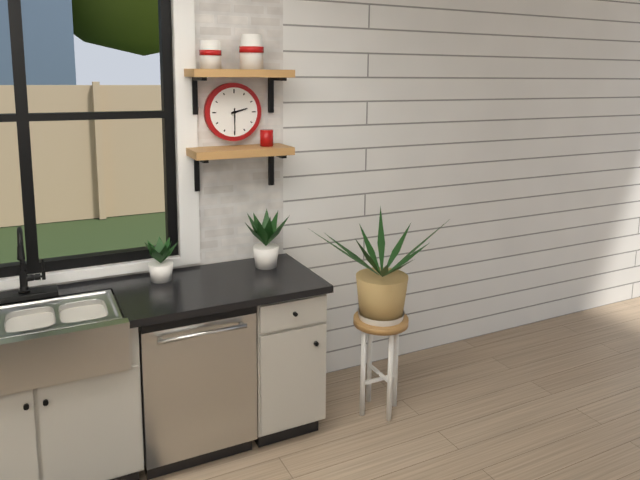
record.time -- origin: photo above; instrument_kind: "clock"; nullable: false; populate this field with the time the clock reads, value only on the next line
2:30
